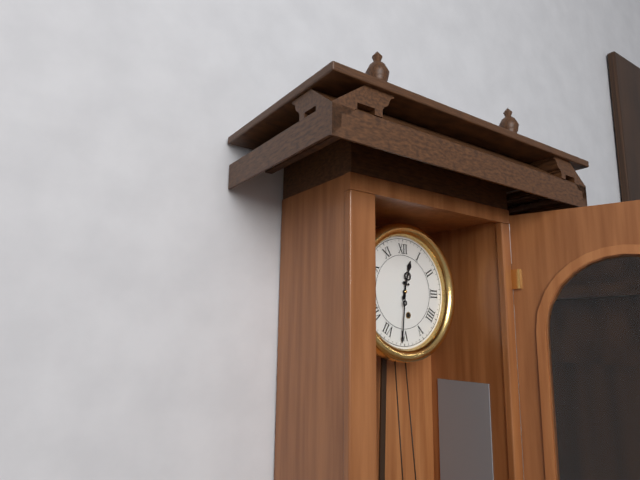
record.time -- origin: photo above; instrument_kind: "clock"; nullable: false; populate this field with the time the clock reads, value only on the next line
12:31
